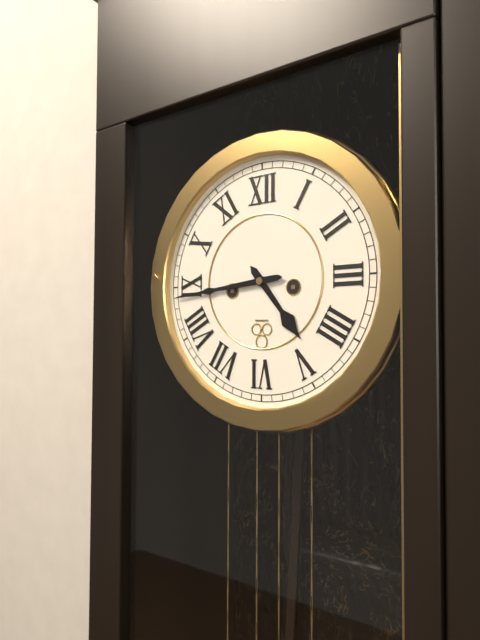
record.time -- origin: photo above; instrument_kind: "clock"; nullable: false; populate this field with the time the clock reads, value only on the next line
4:44
